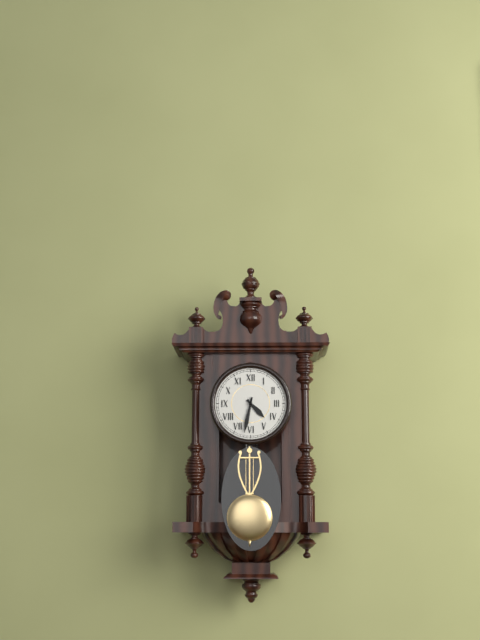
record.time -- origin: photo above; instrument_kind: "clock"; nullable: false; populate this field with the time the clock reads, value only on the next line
4:32
